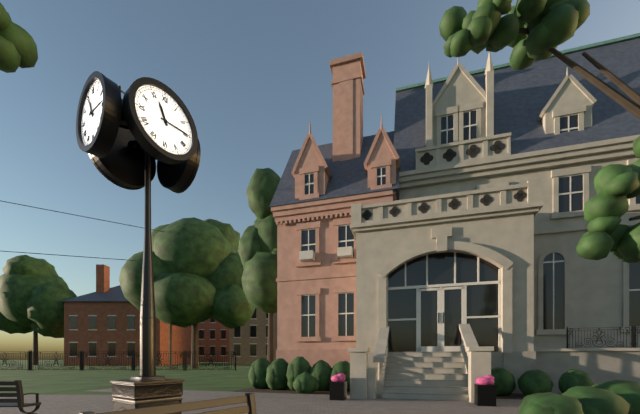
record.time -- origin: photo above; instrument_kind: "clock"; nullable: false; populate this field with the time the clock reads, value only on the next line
11:15
